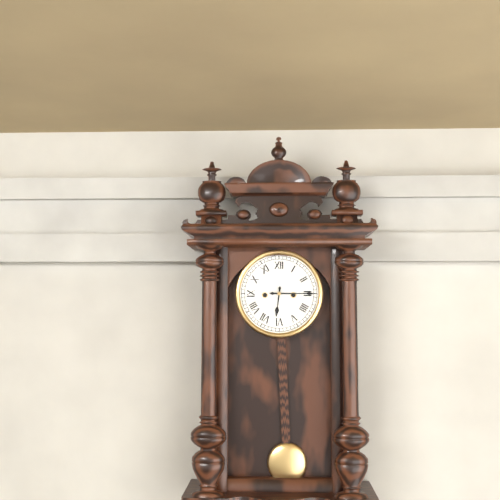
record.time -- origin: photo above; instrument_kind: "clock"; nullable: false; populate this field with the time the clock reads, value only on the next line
6:15
